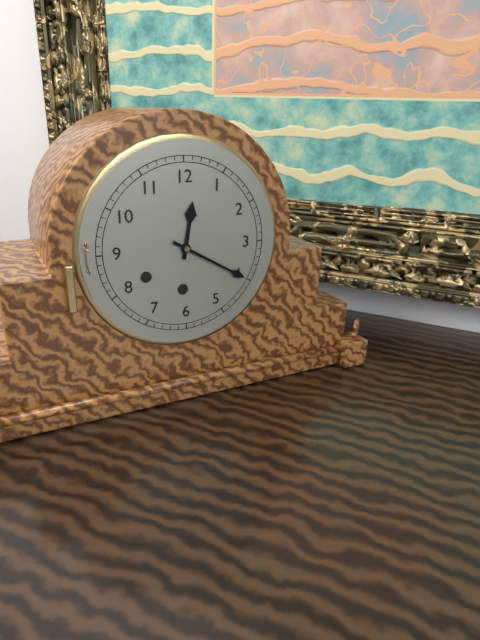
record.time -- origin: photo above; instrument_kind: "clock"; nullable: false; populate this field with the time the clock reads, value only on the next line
12:20
